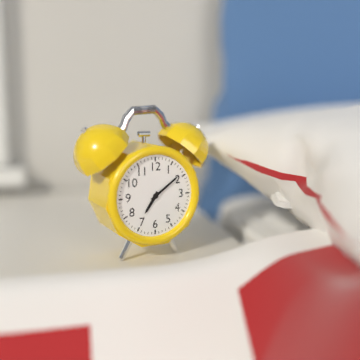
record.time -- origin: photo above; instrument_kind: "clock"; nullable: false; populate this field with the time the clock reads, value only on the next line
7:09
